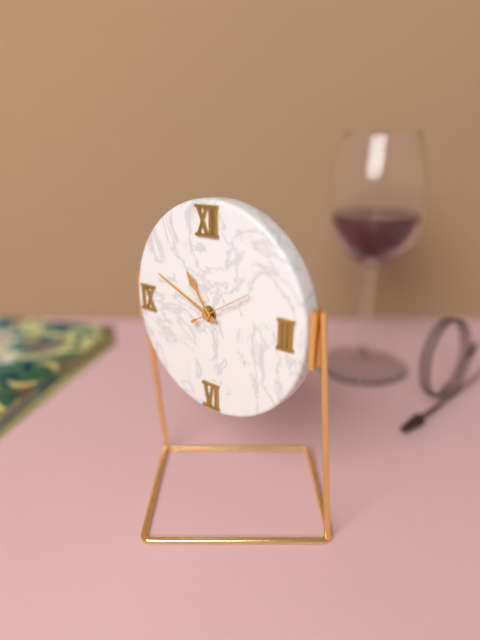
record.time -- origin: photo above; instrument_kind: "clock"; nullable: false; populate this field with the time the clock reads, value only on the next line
10:49:10
